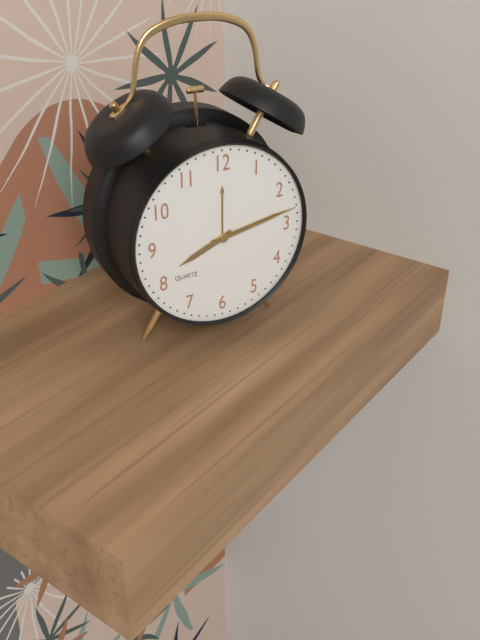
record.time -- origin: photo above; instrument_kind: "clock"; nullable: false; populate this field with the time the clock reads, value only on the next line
8:13:13
